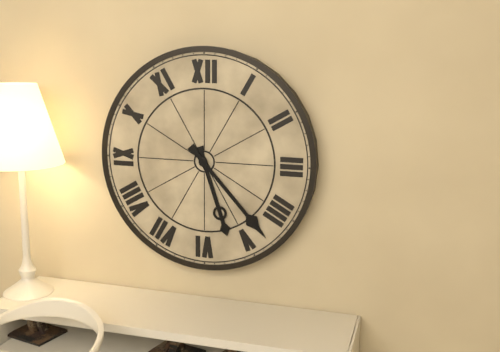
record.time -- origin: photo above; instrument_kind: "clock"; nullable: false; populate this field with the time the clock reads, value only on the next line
5:23
